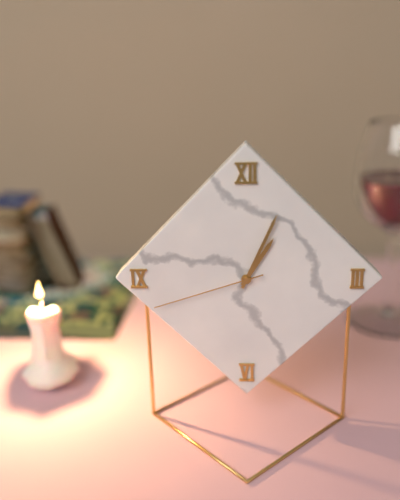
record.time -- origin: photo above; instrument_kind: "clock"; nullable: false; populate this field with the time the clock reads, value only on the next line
1:04:42
